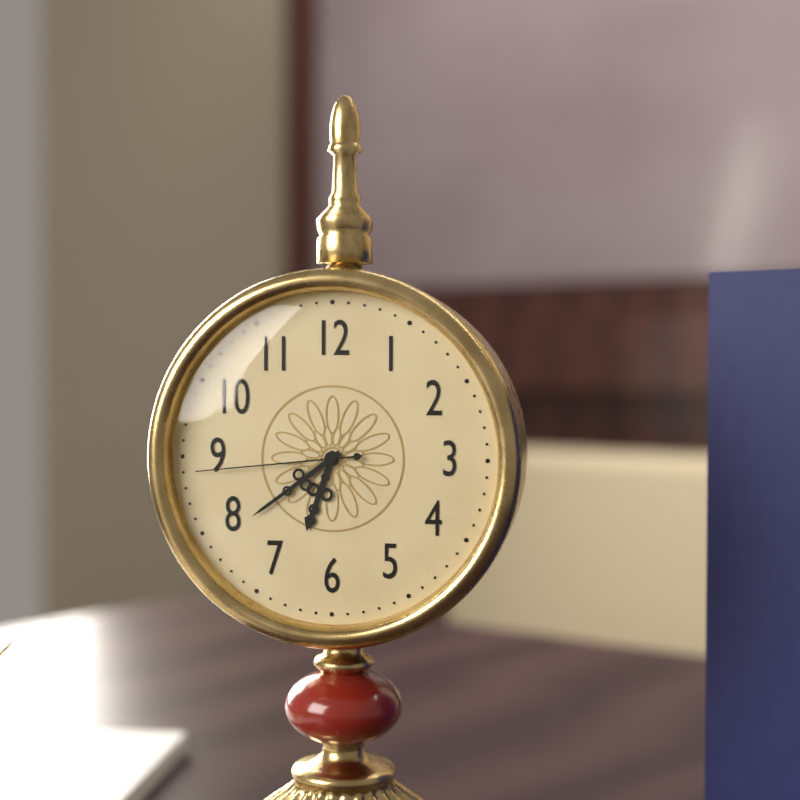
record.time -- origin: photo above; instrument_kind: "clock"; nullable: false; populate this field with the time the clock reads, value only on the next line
6:39:44
